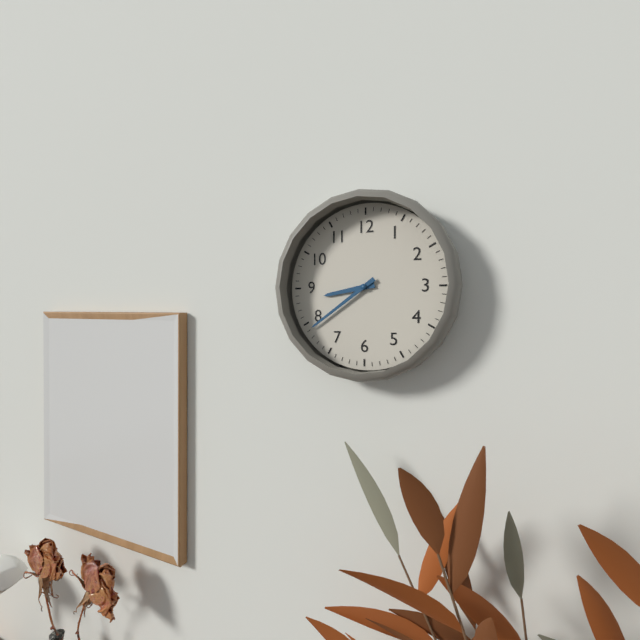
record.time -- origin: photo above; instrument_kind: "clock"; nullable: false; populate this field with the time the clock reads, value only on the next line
8:39
